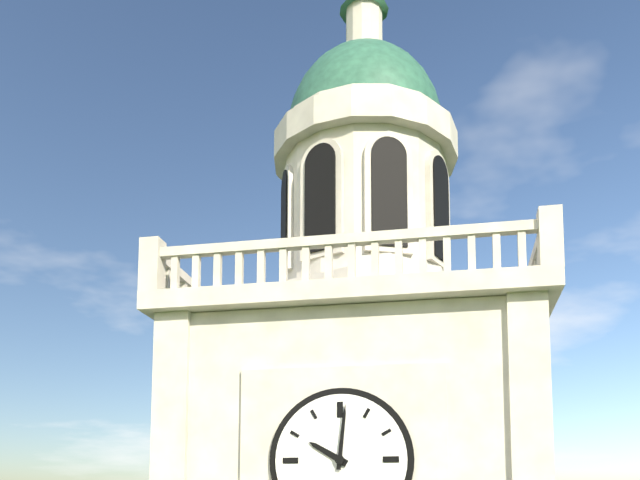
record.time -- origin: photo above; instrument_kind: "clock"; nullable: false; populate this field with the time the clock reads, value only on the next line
10:01
